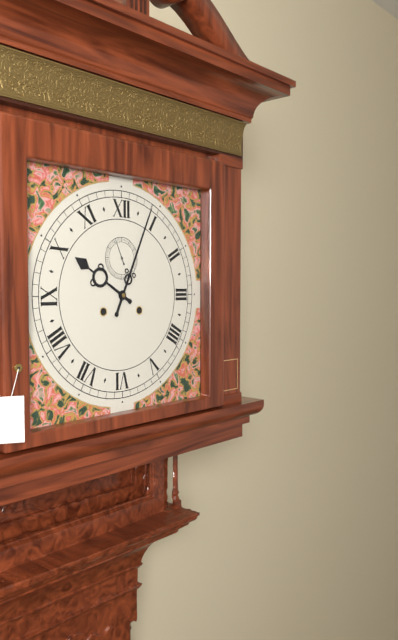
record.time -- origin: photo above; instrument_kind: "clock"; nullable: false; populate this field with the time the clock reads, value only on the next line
10:04
